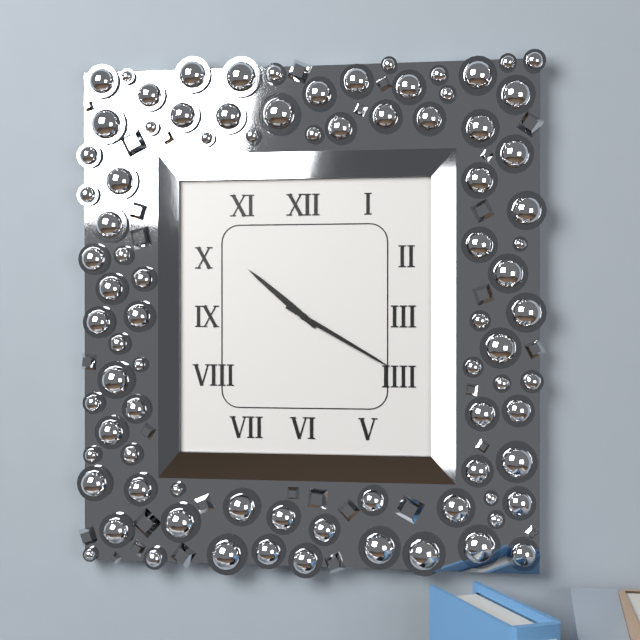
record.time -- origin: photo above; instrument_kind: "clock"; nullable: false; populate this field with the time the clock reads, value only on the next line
10:20
